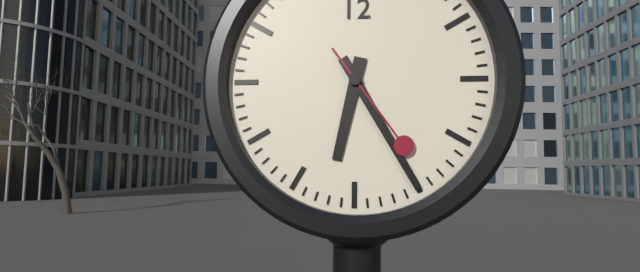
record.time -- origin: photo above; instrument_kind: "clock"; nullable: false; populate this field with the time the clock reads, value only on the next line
6:25:24
